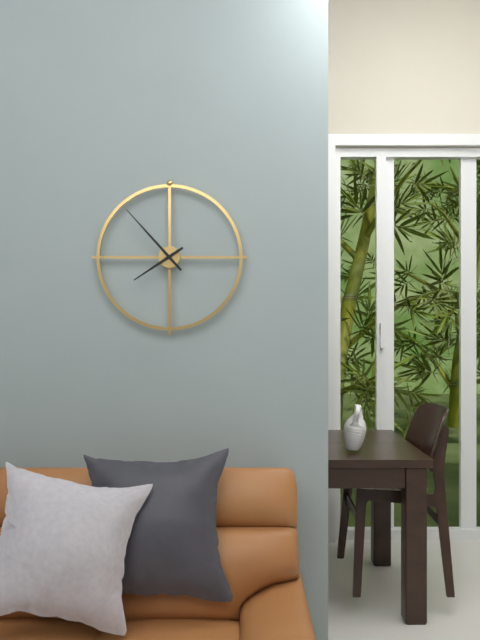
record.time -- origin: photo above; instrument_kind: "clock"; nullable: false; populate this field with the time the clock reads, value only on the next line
7:53
